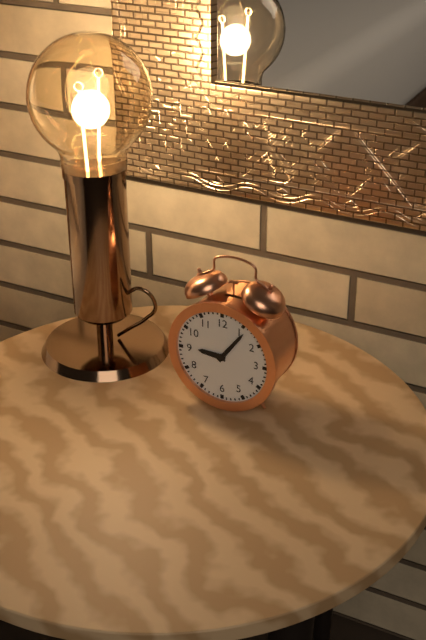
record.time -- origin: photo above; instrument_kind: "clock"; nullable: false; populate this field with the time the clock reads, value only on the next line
9:06
